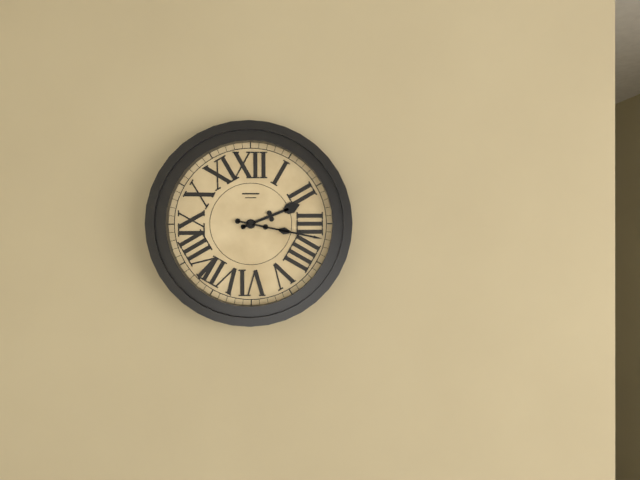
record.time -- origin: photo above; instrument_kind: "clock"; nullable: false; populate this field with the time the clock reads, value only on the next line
2:17
